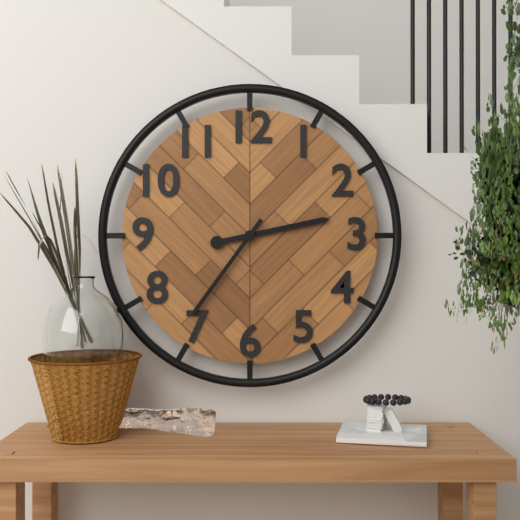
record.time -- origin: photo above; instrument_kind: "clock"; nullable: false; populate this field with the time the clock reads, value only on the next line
2:36
